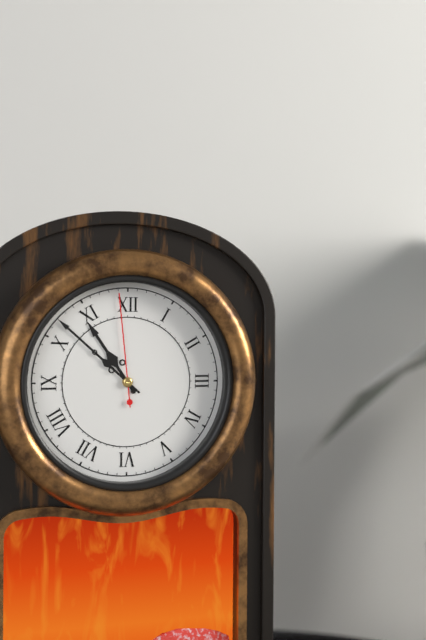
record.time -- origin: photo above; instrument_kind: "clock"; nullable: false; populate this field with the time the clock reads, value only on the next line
10:52:59
